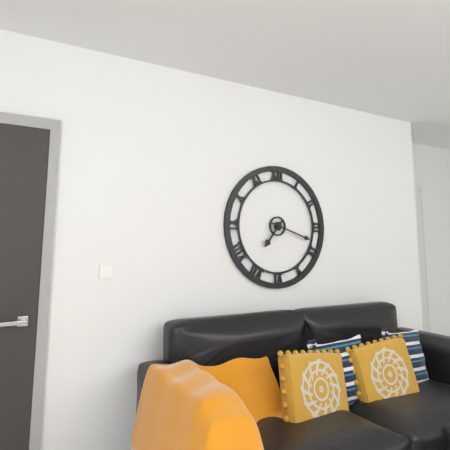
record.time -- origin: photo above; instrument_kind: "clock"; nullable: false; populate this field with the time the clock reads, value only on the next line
7:18
